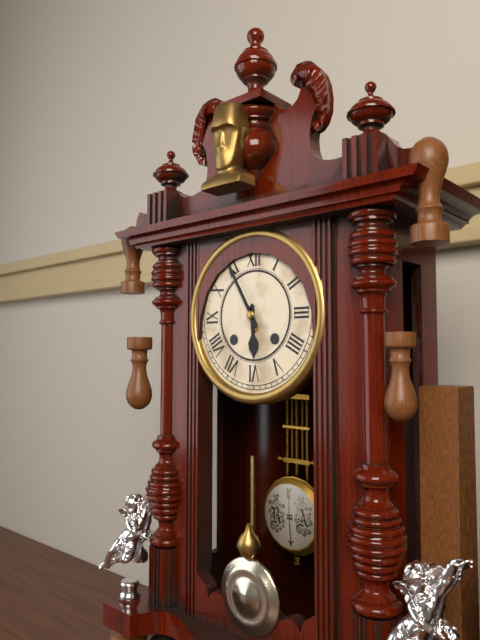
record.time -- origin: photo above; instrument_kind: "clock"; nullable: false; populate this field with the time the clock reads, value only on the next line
5:55
